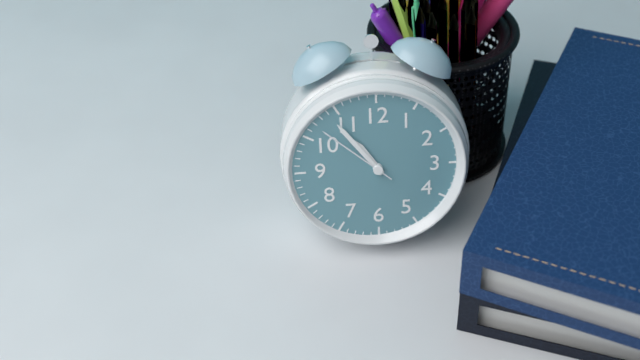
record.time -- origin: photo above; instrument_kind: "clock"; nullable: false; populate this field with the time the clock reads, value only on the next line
10:54:52
